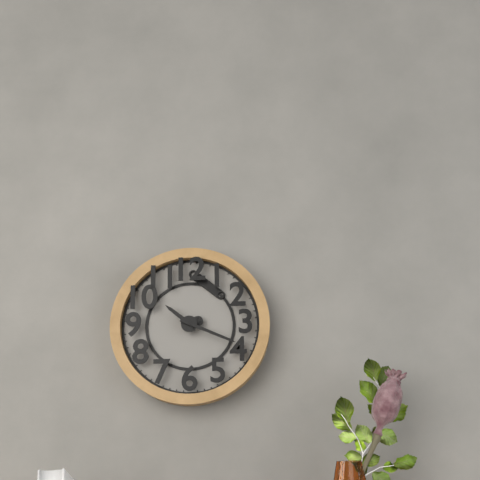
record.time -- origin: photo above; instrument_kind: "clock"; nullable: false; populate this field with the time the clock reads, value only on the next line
10:19
